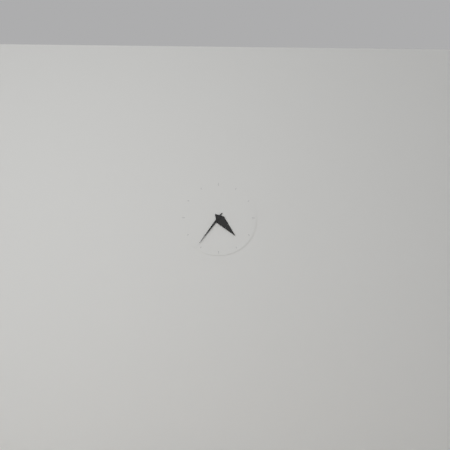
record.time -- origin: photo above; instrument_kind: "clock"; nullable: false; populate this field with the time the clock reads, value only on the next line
4:36
